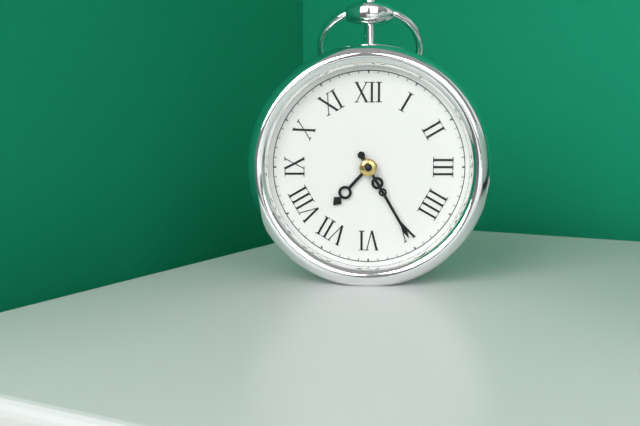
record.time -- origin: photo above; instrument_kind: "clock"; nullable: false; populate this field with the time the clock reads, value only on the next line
7:25
